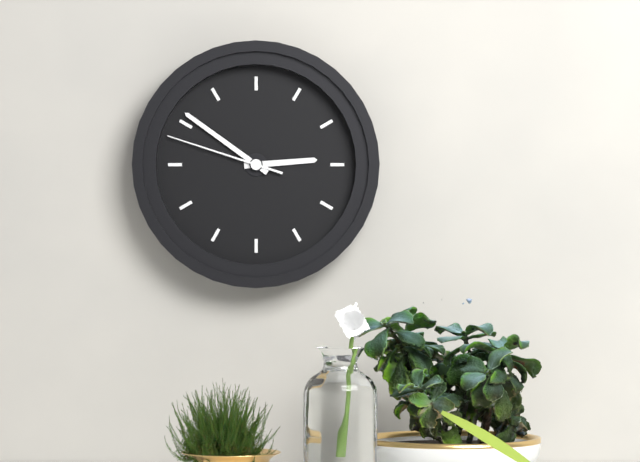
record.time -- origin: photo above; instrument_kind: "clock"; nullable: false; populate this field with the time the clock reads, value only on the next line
2:51:48
